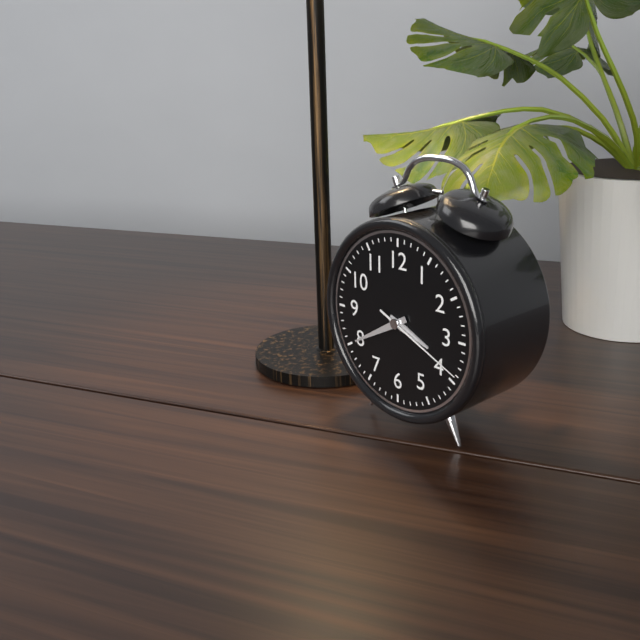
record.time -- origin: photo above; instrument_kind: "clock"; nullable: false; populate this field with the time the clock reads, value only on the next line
3:40:19
